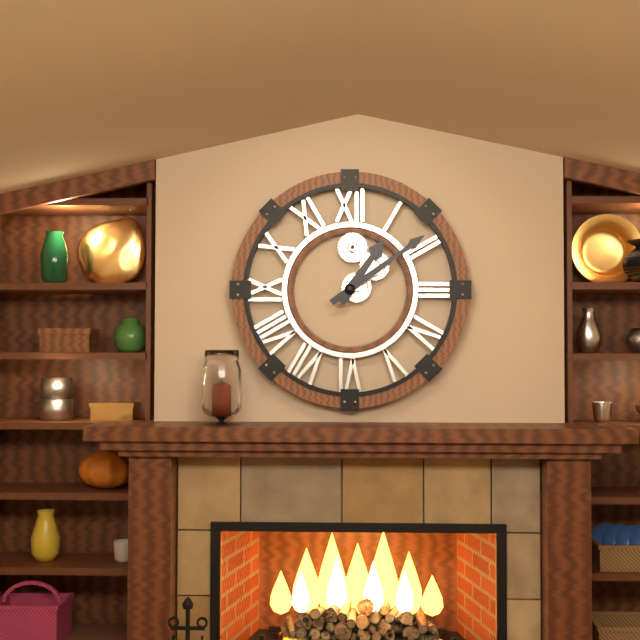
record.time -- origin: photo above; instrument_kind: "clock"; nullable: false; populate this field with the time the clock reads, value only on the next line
1:09
